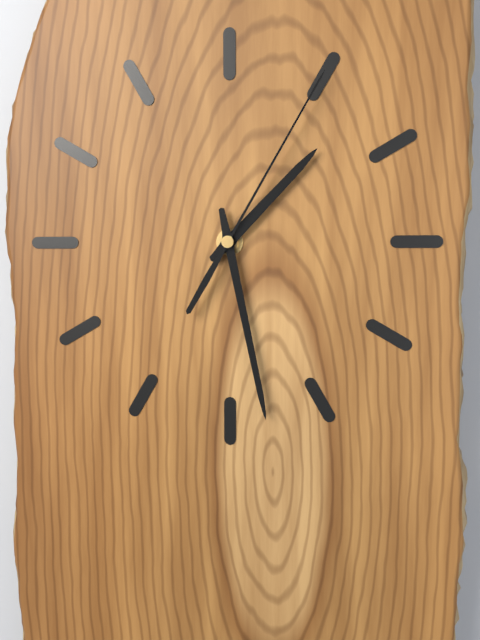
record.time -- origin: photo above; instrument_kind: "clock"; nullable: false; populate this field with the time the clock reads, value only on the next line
1:28:05
